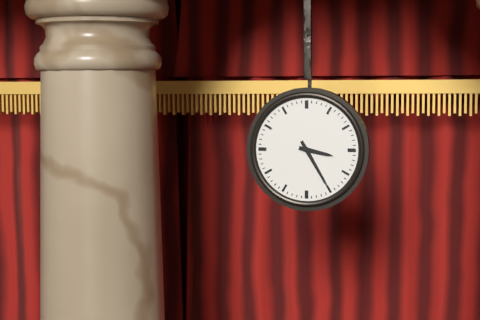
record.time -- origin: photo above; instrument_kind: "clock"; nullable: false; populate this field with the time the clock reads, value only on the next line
3:25
